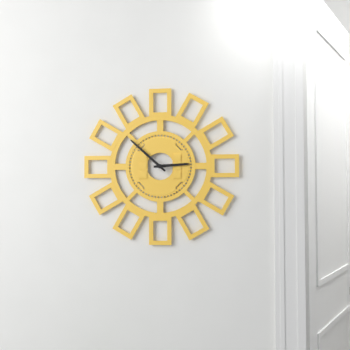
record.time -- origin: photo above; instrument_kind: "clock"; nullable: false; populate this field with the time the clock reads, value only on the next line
2:52
